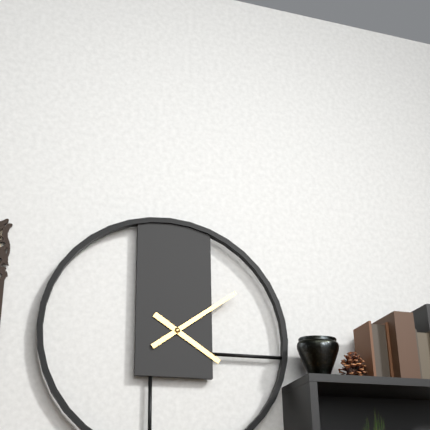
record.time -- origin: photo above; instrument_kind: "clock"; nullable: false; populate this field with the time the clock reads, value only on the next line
4:09
